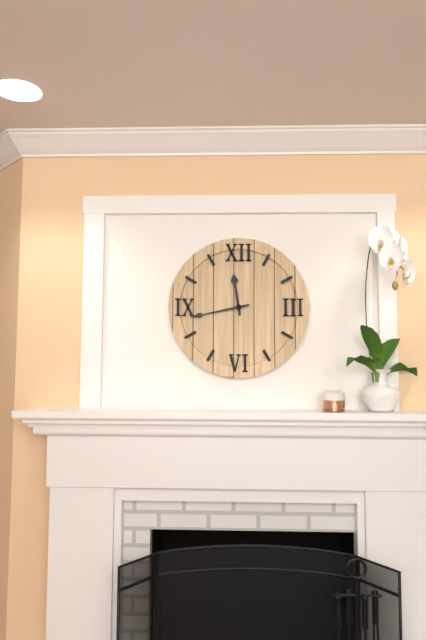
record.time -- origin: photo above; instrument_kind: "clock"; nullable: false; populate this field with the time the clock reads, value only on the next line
11:43
